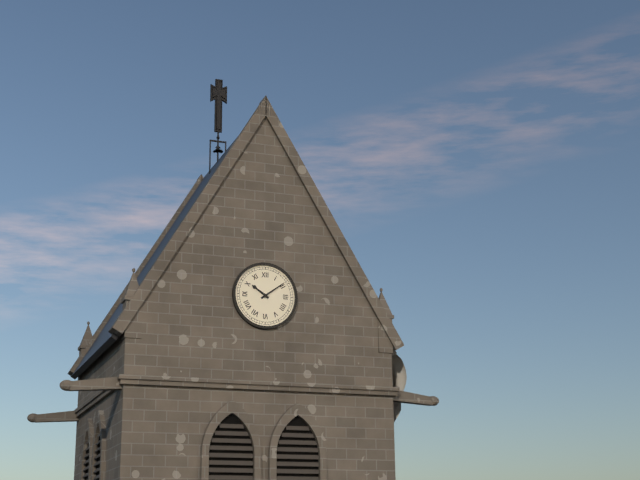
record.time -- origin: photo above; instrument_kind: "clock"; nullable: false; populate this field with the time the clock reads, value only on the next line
10:09
